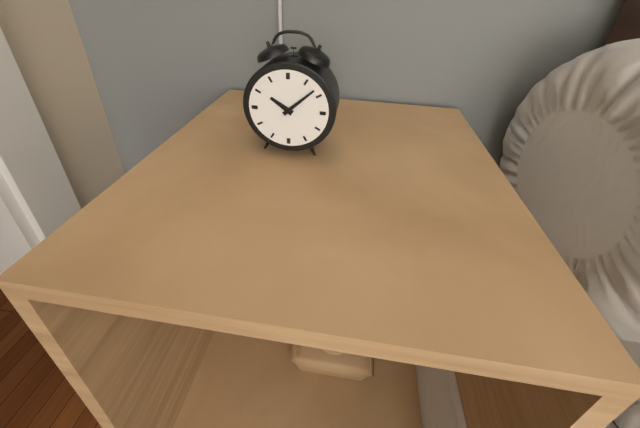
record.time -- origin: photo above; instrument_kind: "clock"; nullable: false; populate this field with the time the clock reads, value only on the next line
10:08
